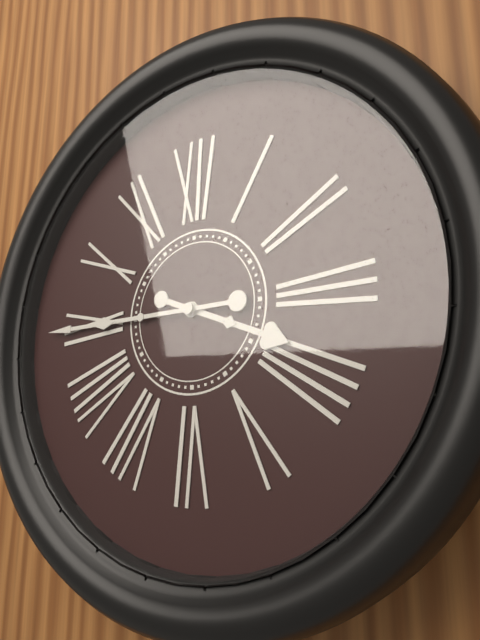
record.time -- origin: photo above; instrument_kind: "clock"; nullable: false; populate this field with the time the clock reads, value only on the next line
3:45
